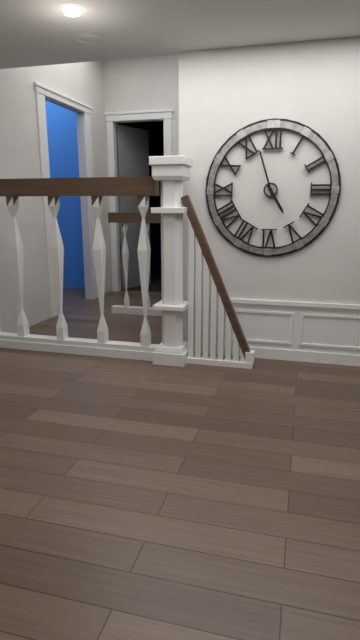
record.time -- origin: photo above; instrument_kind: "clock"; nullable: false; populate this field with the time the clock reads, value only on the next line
4:57
